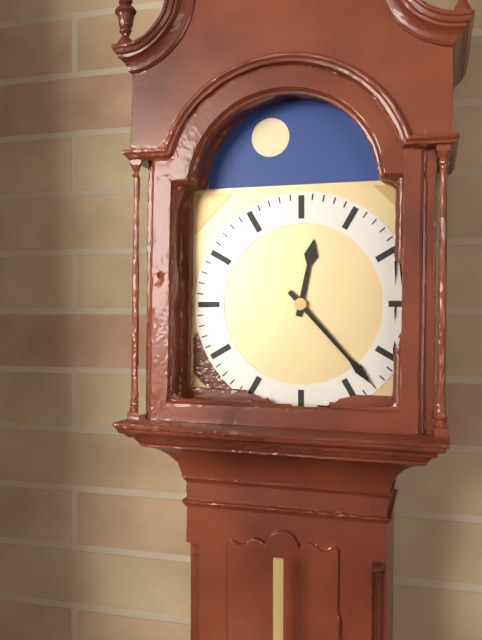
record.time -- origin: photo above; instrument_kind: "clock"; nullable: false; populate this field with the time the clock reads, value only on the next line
12:23
